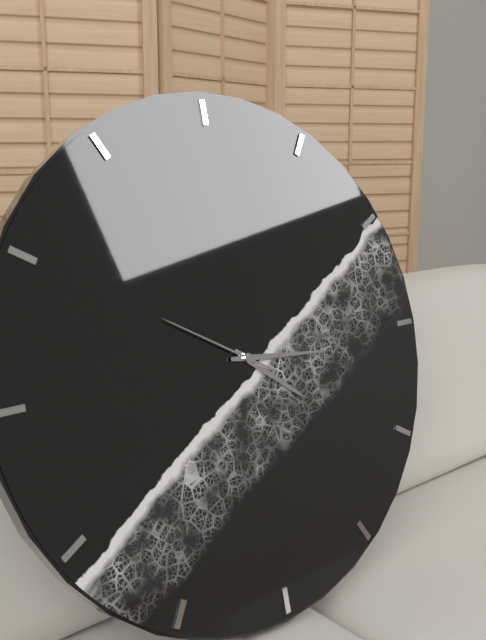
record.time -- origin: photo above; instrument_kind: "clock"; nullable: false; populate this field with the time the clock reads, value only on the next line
4:16:50
